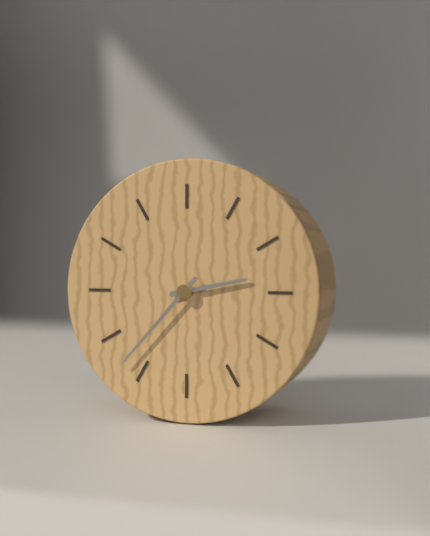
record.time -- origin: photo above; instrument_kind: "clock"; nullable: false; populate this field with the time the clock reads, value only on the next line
2:37
